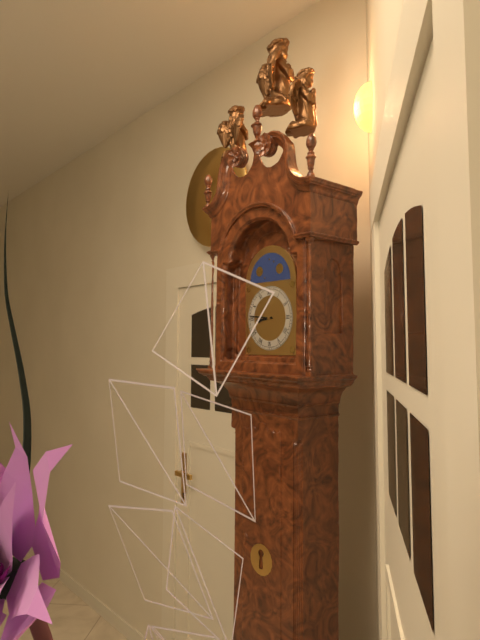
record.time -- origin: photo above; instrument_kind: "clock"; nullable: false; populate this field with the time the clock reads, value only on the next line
8:46
